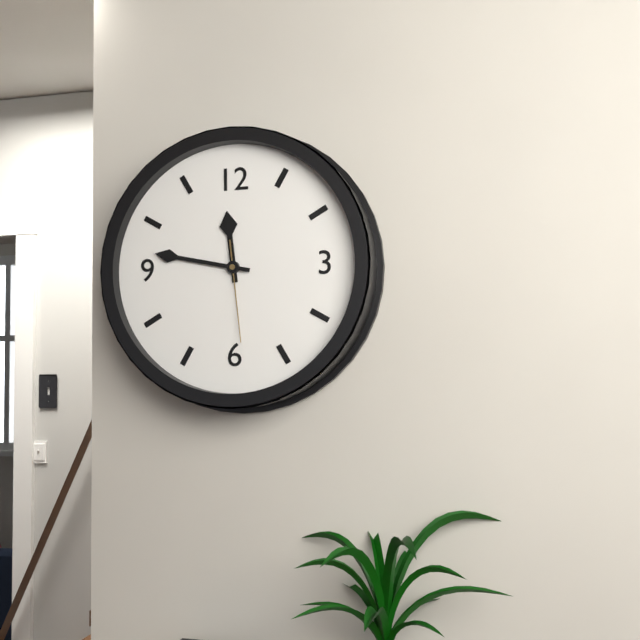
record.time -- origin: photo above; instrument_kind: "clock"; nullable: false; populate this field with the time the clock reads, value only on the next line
11:47:29
